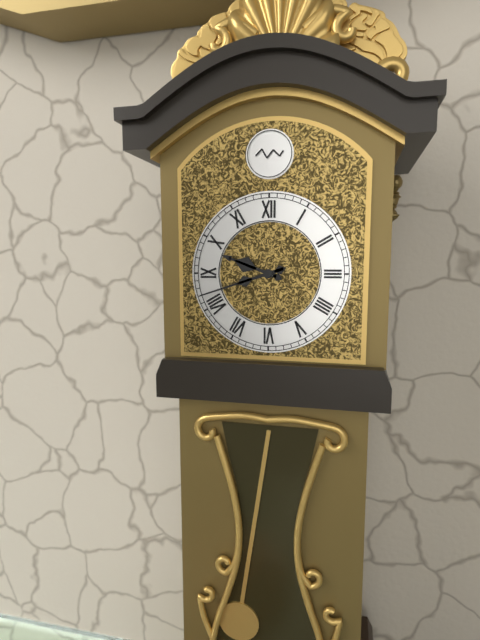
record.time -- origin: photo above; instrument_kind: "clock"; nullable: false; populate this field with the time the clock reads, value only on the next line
9:42
